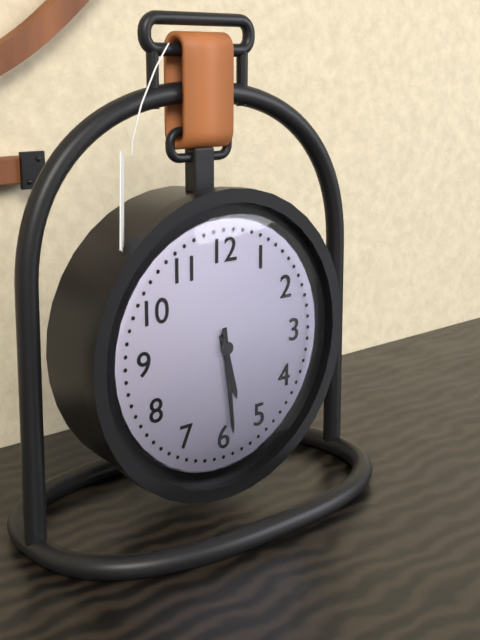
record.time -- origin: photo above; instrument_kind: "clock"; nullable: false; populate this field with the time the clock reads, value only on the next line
5:29
